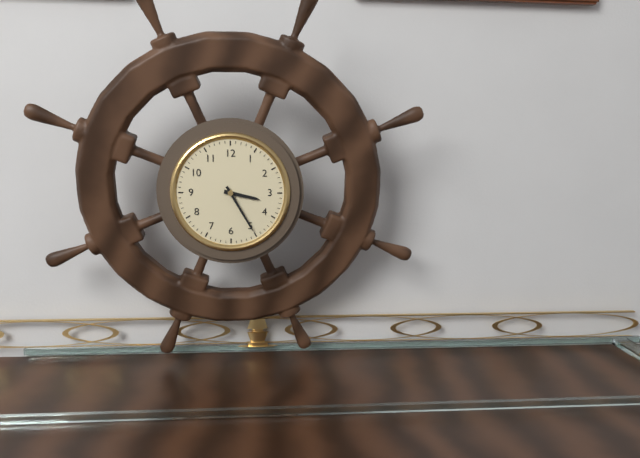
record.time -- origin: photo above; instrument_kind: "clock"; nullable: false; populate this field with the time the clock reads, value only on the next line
3:25
